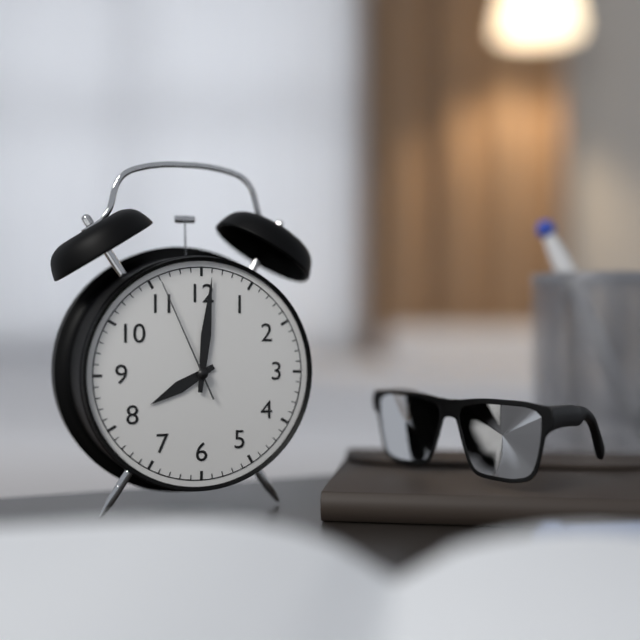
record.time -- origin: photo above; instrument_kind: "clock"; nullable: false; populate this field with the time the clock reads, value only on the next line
8:01:56
